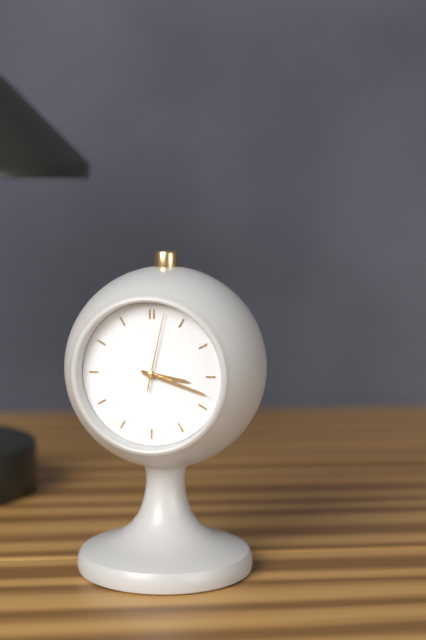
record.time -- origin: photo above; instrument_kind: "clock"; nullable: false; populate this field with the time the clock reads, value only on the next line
3:18:02
